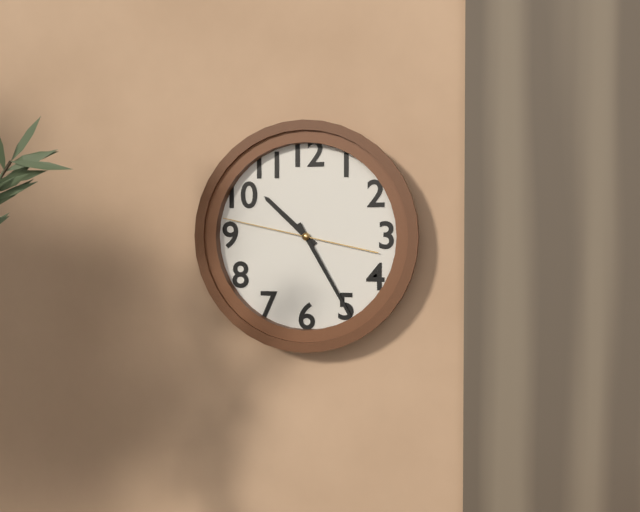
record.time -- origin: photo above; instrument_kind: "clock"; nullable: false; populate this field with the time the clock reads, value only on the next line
10:25:47
